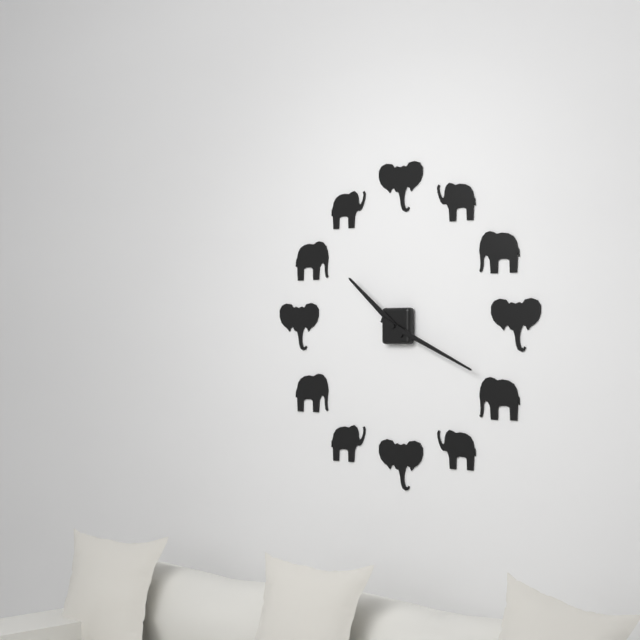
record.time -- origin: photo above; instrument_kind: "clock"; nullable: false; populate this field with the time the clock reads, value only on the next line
10:19
